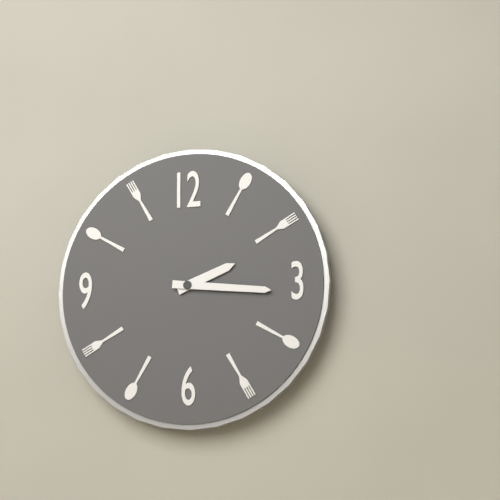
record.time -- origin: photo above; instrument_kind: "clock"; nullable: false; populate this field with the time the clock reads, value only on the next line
2:16
